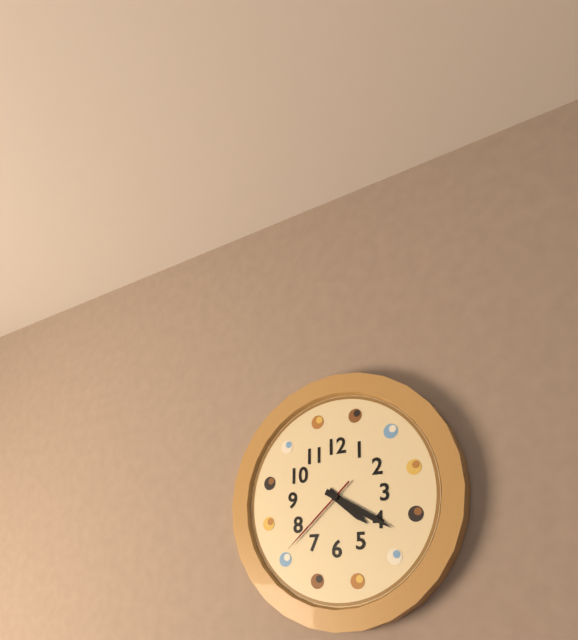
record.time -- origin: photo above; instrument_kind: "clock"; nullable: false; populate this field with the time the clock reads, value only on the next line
4:20:38
